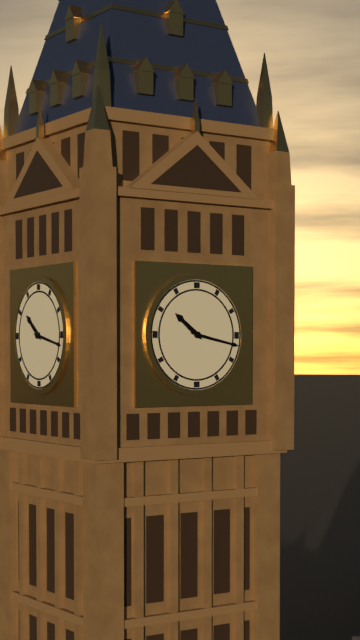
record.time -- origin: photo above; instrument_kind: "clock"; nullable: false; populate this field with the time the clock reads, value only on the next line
10:17
